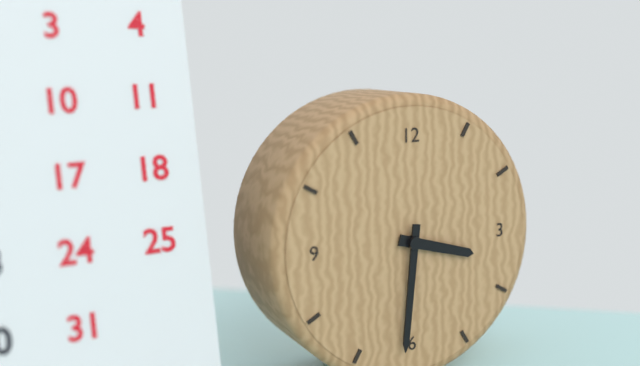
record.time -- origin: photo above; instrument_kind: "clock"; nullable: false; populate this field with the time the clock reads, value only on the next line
3:31
